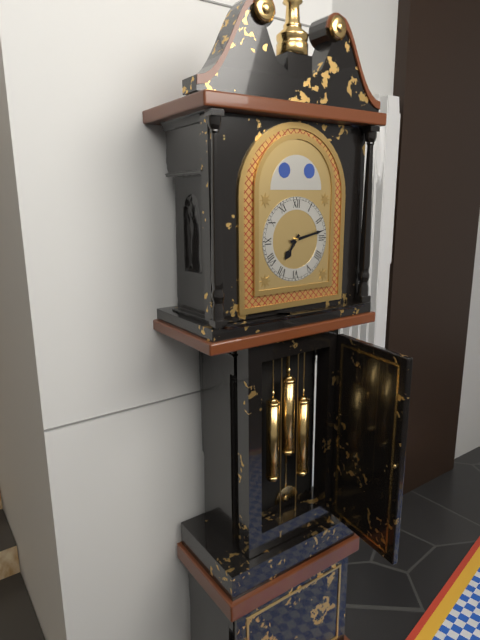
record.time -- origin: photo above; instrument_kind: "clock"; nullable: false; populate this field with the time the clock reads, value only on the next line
7:13
